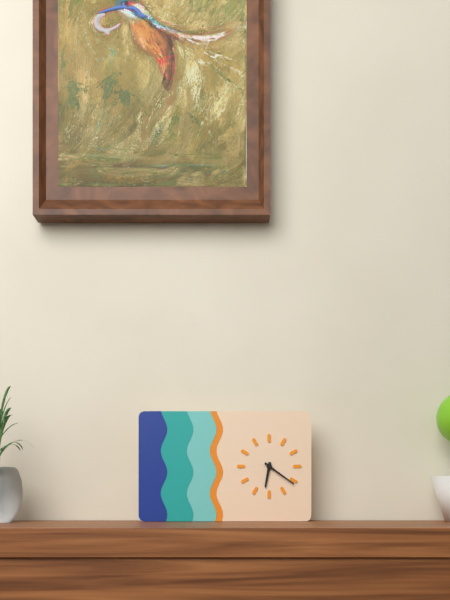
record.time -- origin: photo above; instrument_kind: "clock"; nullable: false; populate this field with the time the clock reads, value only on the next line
6:21
